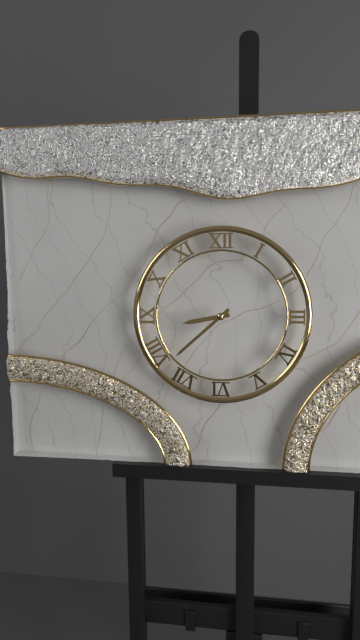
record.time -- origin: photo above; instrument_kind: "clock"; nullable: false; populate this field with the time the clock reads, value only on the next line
8:38
